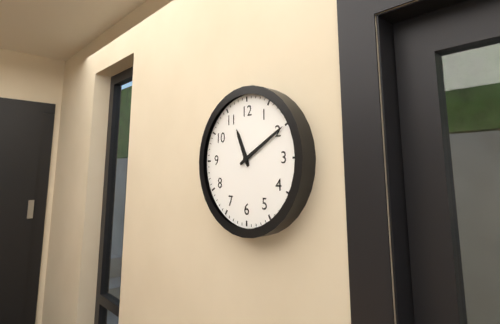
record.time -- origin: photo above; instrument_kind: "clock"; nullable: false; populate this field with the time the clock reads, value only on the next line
11:10
